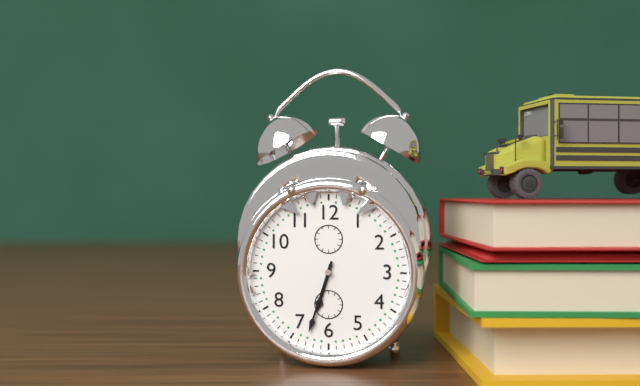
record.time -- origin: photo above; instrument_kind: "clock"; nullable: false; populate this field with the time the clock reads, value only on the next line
6:33
